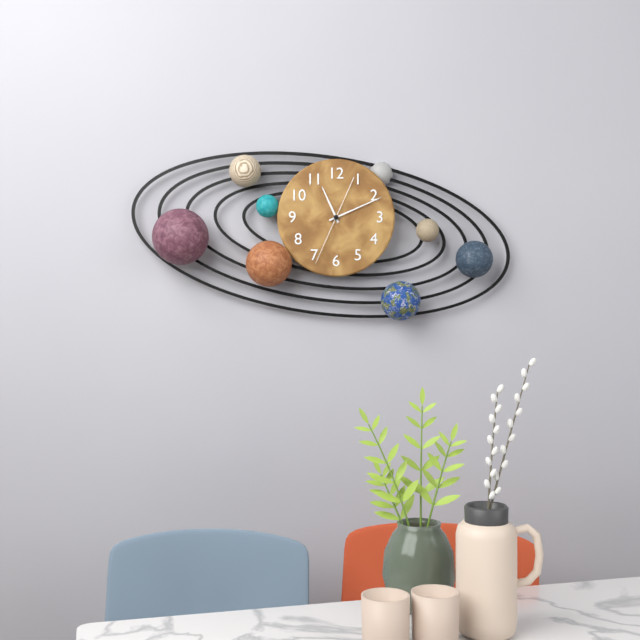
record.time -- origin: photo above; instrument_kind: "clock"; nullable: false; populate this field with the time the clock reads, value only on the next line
11:11:34
